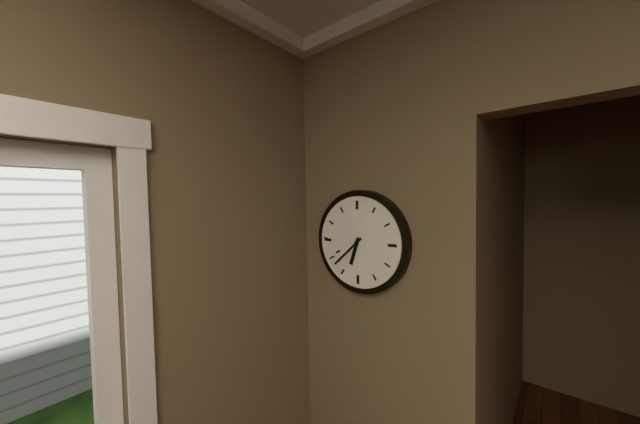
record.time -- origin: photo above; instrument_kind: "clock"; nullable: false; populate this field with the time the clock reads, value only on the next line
6:38
